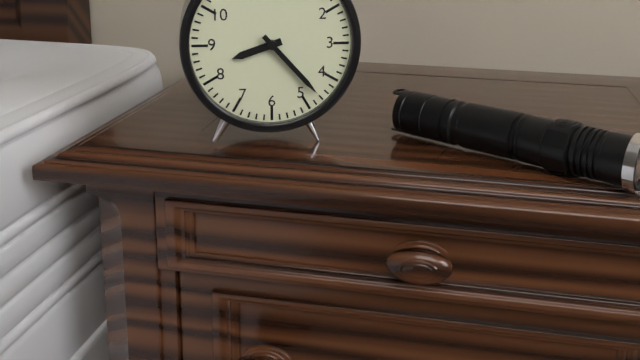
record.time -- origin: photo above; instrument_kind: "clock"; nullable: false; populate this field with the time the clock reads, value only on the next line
8:23
